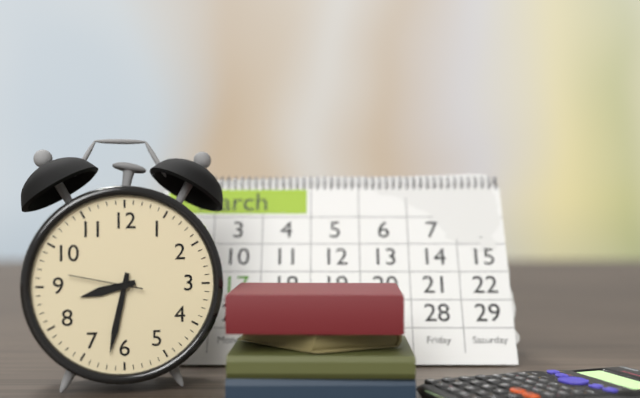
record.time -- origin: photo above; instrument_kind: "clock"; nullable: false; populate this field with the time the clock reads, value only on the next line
8:32:47
